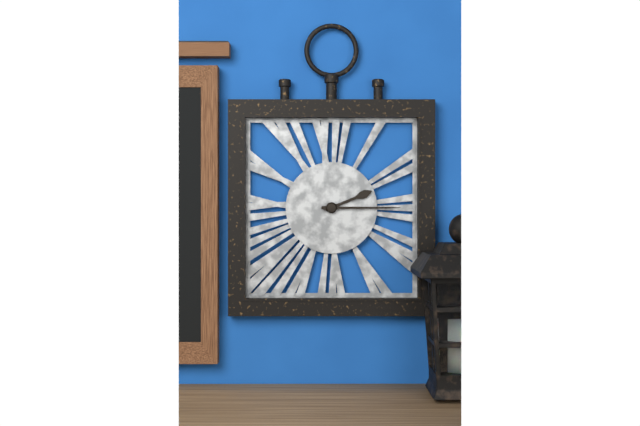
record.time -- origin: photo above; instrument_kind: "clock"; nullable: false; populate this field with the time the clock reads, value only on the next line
2:15
